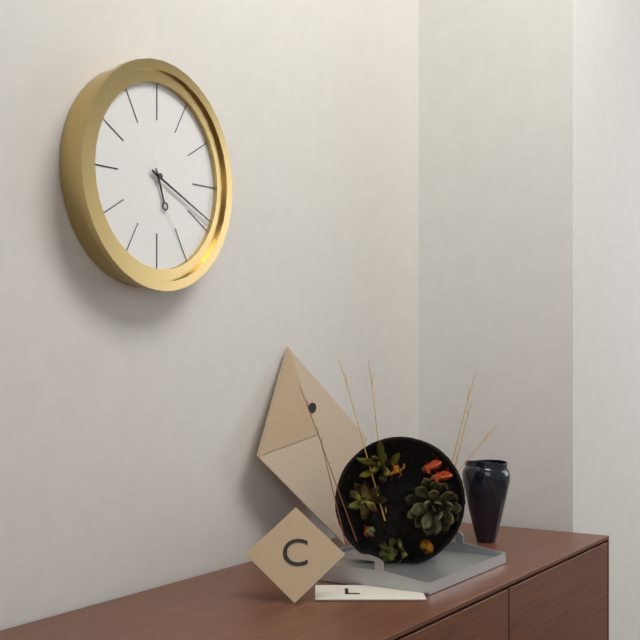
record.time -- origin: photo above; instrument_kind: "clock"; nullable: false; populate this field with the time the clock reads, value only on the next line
5:19:25
